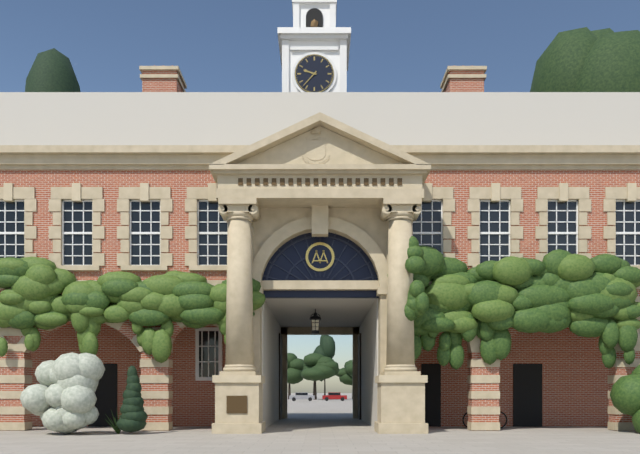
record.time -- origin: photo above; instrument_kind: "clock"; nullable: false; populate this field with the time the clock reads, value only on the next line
9:37
